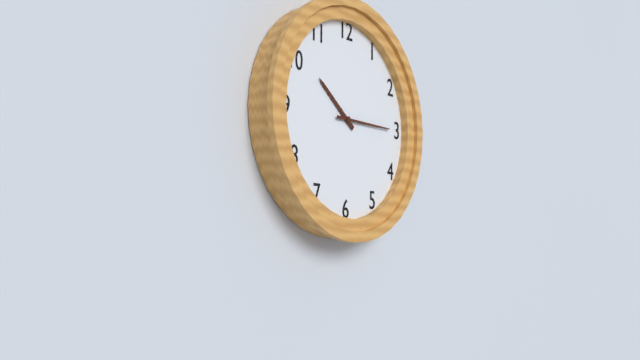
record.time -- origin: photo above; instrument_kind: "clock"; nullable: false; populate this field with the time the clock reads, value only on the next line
10:15
